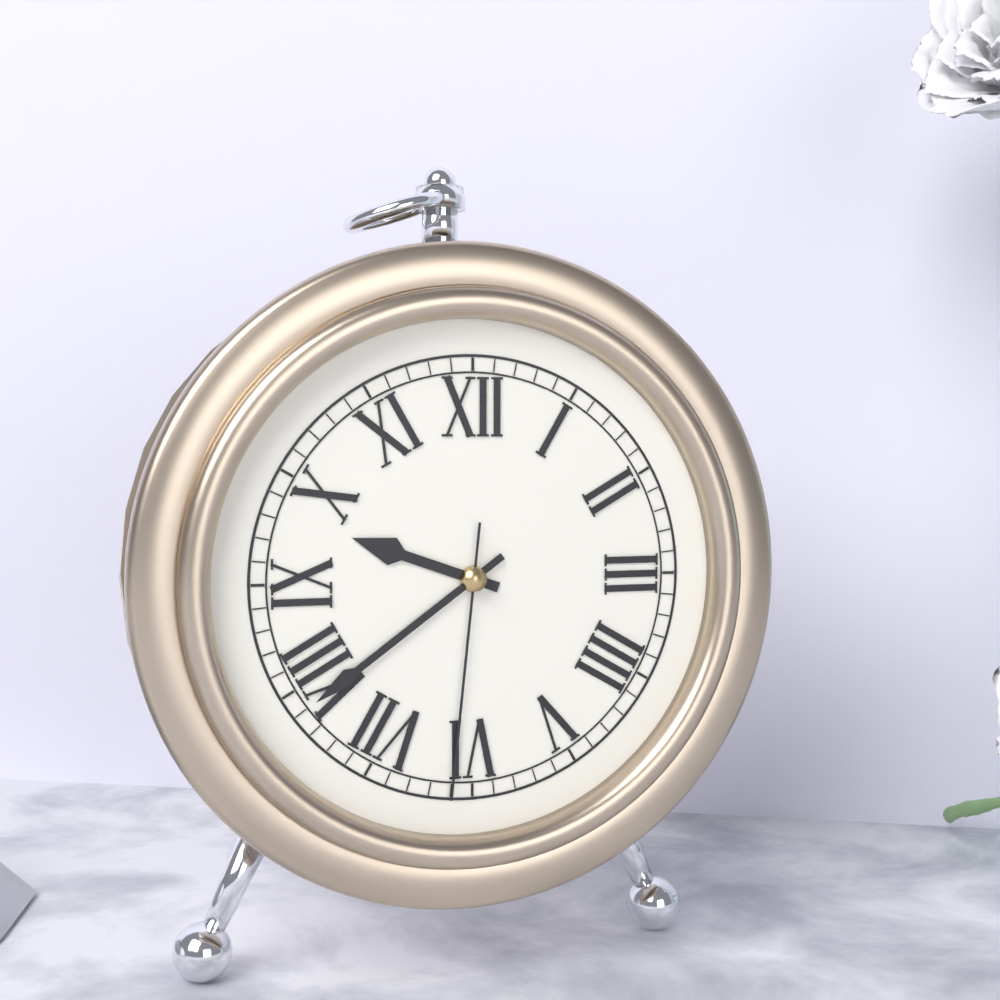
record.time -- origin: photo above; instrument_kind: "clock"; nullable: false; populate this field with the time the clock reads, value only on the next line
9:39:31
